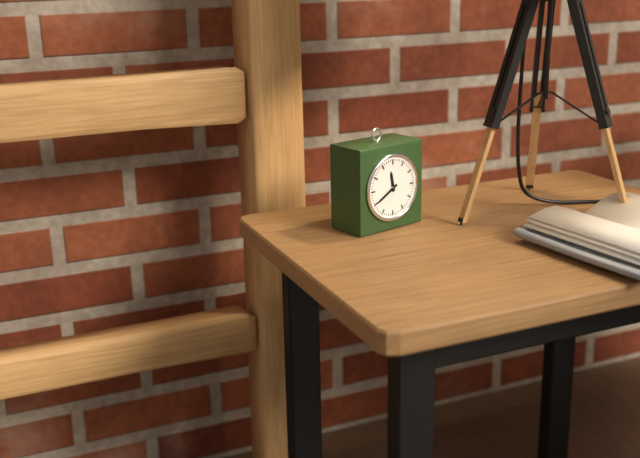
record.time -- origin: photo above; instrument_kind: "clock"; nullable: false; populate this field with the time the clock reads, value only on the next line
11:40
